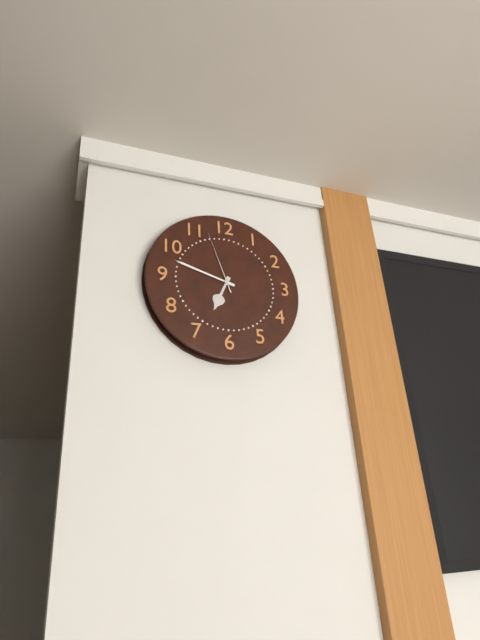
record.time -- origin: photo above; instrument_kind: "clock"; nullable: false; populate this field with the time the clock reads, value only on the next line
6:48:57
